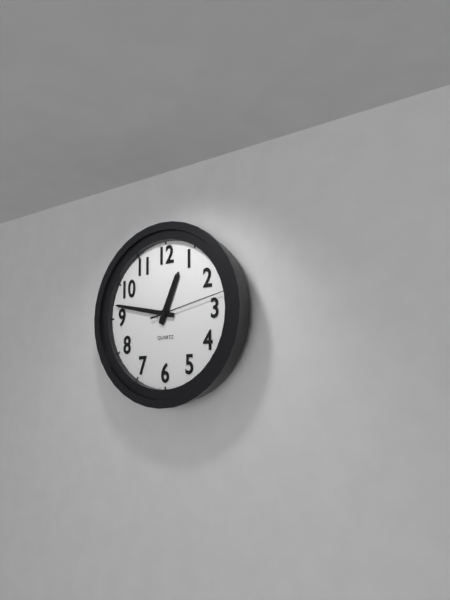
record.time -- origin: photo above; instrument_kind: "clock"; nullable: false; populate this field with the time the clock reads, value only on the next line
12:47:13
